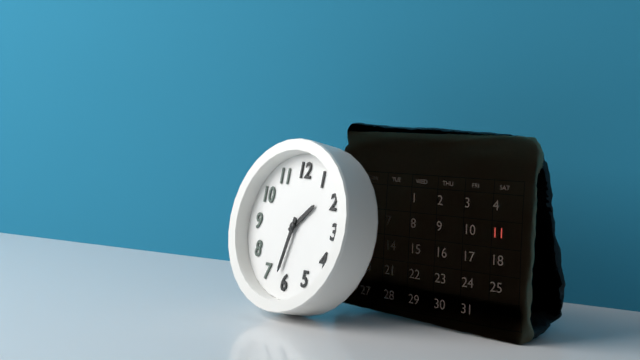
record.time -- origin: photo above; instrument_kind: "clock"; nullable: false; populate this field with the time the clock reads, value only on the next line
1:32
